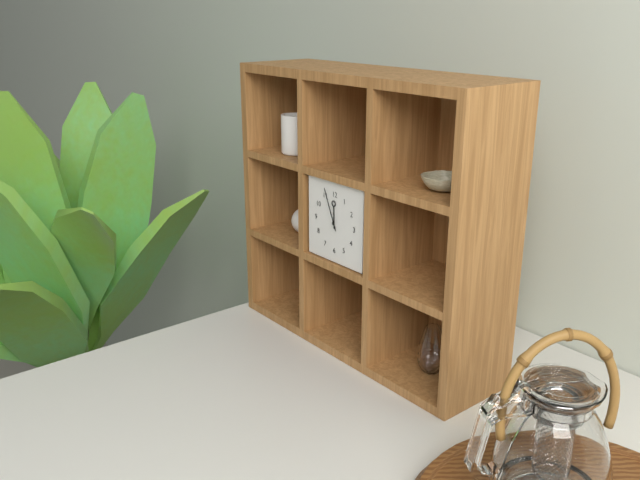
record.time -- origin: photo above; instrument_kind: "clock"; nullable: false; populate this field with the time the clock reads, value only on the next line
11:56
